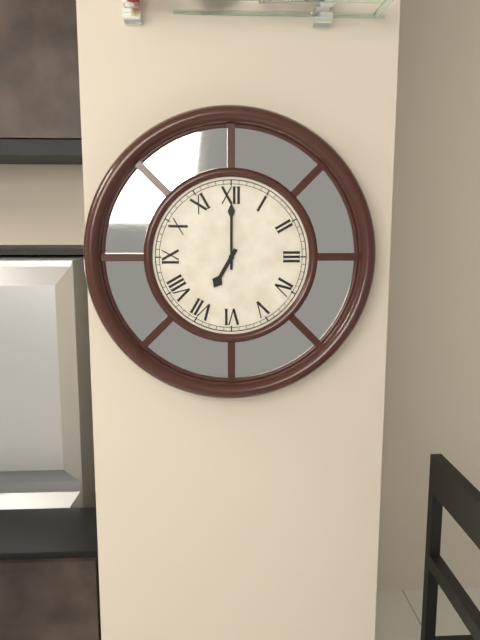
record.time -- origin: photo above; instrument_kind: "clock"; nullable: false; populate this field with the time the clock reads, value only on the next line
7:00
